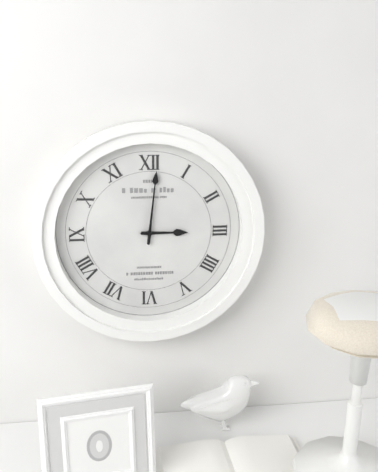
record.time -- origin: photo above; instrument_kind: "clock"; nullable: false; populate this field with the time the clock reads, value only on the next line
3:01
